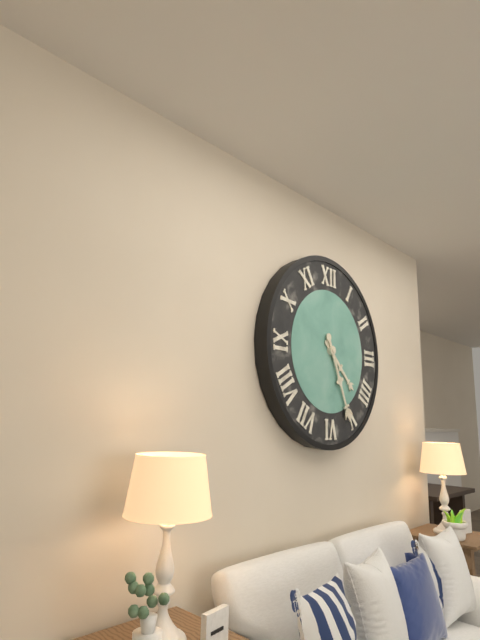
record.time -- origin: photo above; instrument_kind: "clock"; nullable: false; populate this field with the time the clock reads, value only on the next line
4:26
